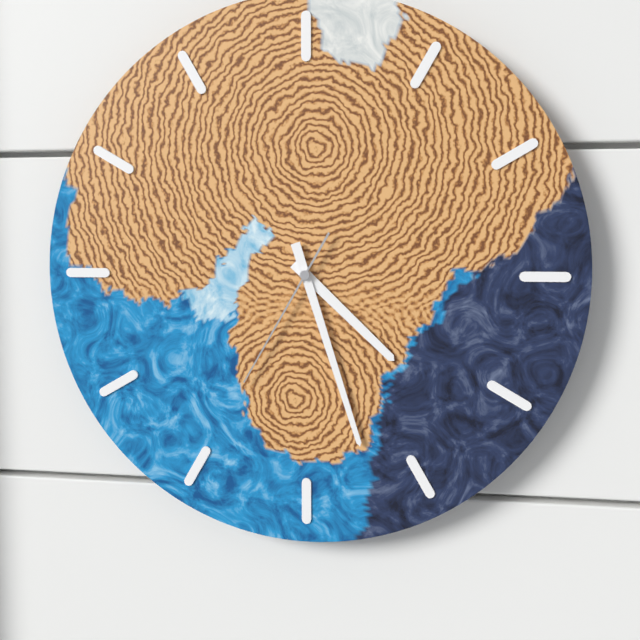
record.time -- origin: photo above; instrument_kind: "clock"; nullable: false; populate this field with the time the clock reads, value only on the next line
4:27:35
